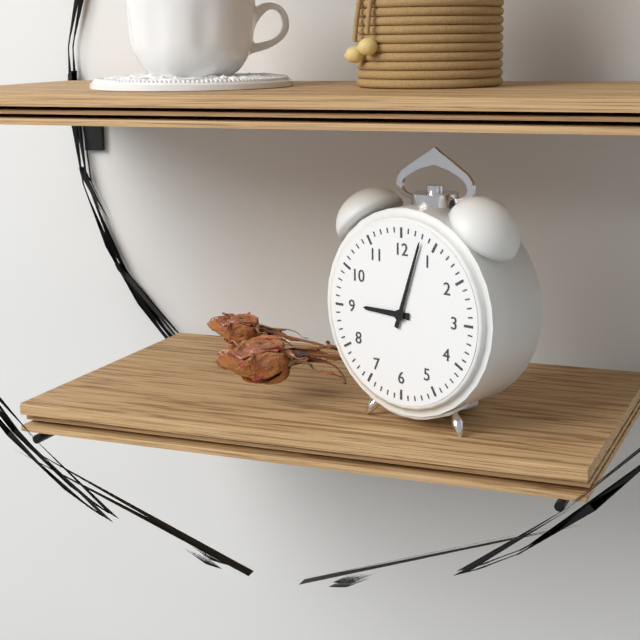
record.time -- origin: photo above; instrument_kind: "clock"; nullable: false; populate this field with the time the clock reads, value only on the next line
9:03
